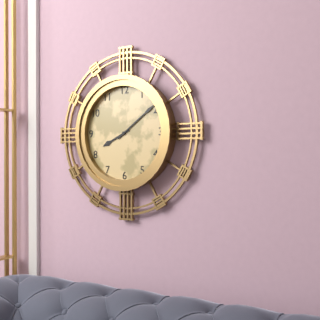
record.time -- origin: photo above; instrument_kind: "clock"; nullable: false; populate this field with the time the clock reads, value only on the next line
8:09
